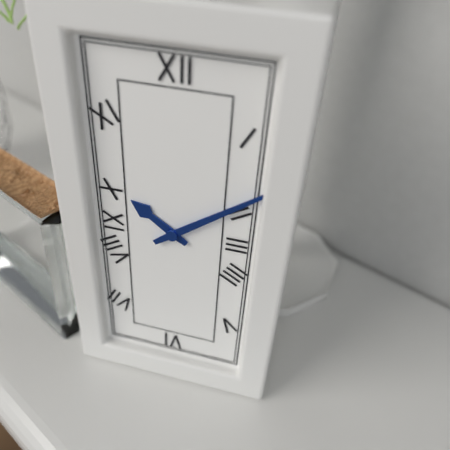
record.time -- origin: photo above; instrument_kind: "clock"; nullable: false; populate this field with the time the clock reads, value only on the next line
10:09
